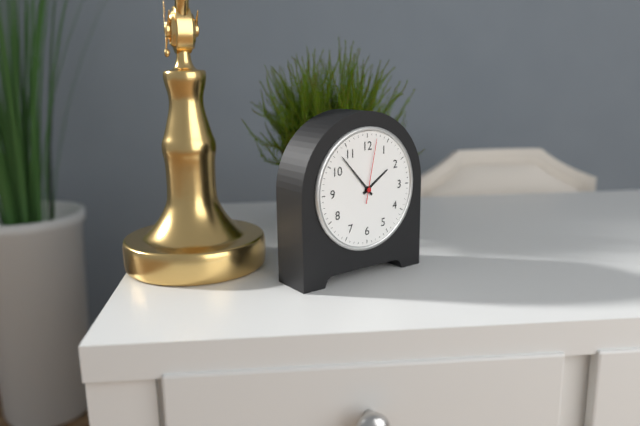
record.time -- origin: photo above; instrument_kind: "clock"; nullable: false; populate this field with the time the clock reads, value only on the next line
1:53:02
